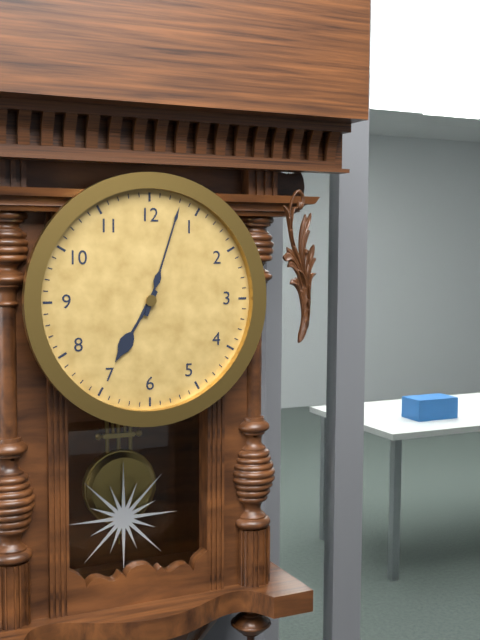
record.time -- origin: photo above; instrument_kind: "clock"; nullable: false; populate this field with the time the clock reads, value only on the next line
7:03
